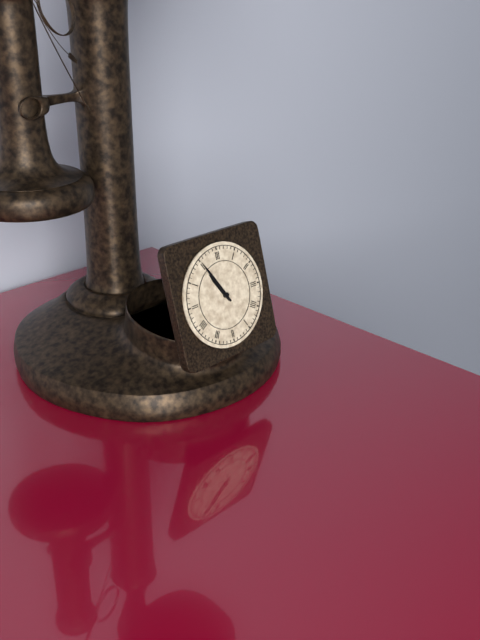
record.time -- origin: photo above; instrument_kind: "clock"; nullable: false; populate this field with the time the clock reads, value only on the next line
10:55
